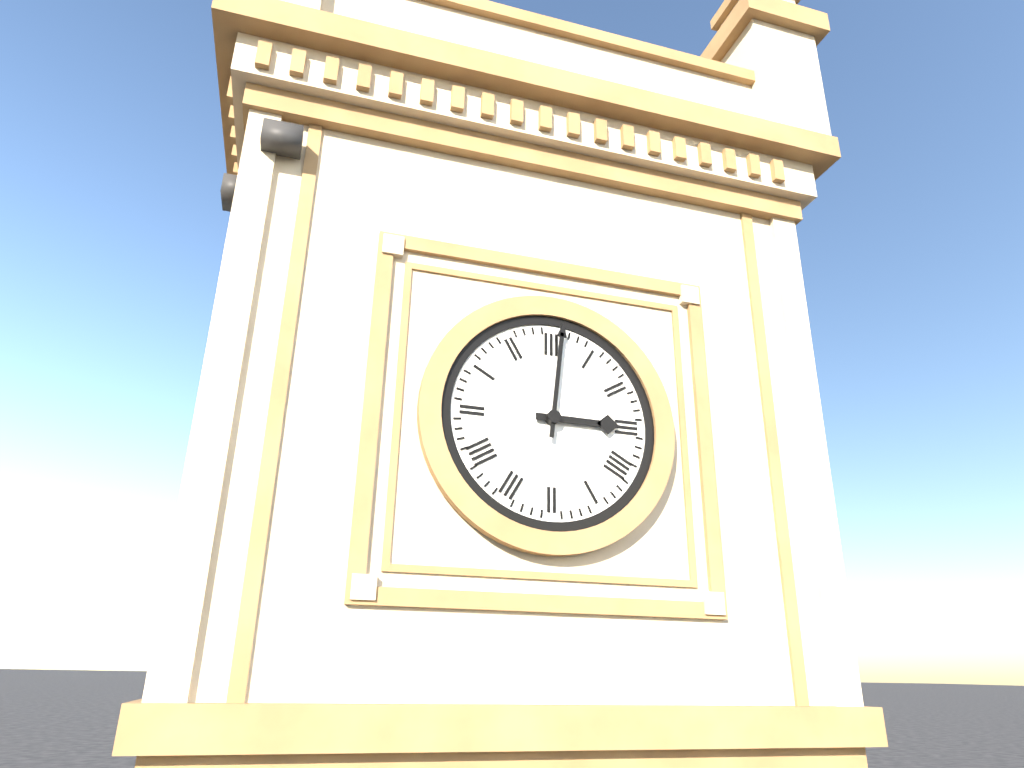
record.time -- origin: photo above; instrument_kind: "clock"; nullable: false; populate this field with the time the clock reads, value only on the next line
3:01
